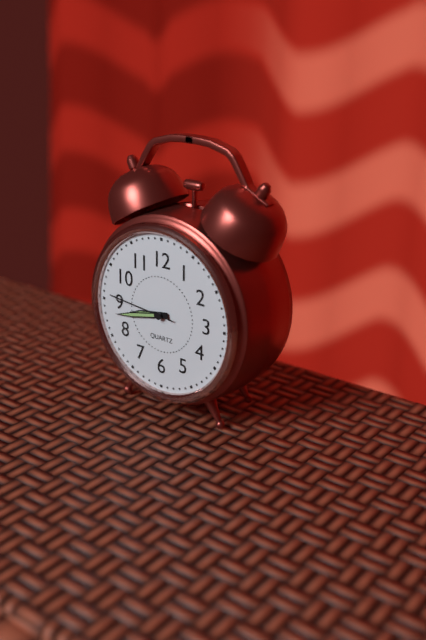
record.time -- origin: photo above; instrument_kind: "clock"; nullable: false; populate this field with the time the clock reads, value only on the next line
8:43:46
